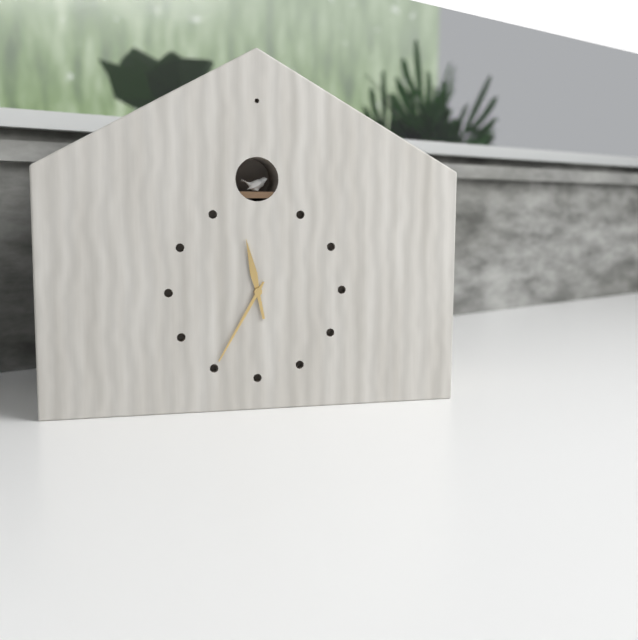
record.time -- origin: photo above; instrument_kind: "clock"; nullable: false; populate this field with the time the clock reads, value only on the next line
11:35
